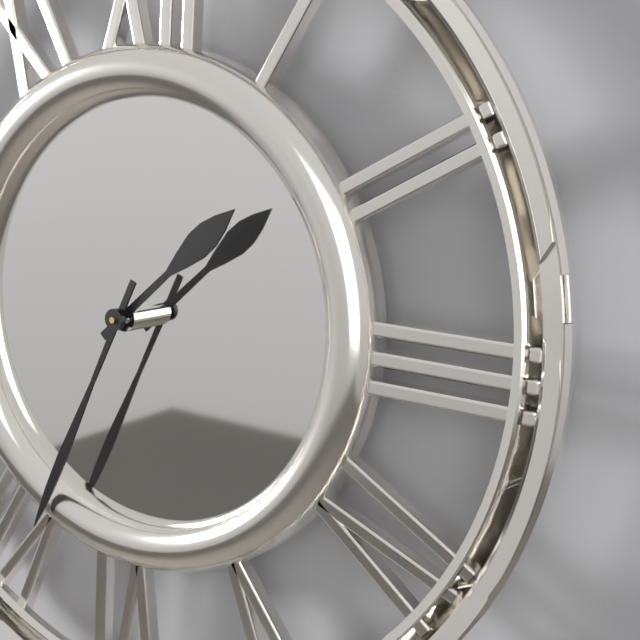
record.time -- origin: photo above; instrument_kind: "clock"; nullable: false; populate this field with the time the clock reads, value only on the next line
1:34
